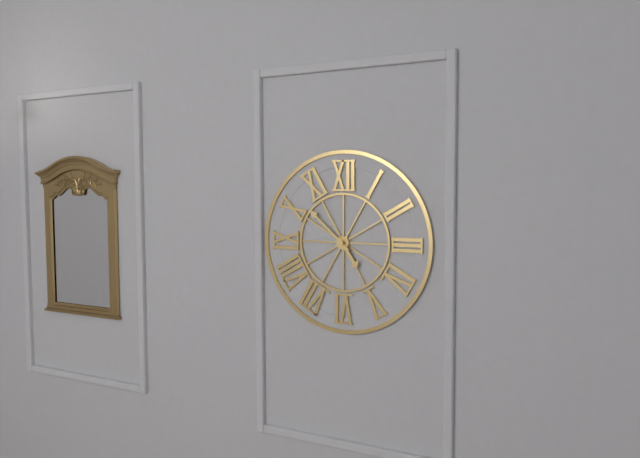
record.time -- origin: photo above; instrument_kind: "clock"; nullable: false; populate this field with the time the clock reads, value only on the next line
4:52
